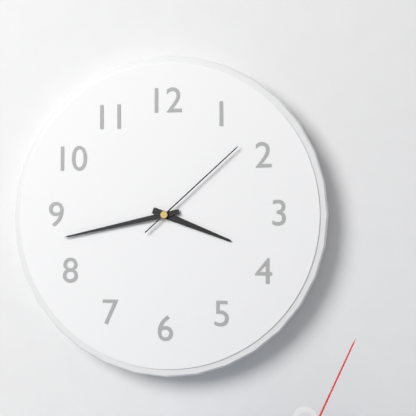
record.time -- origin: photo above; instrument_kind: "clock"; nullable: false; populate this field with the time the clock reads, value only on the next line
3:43:08
